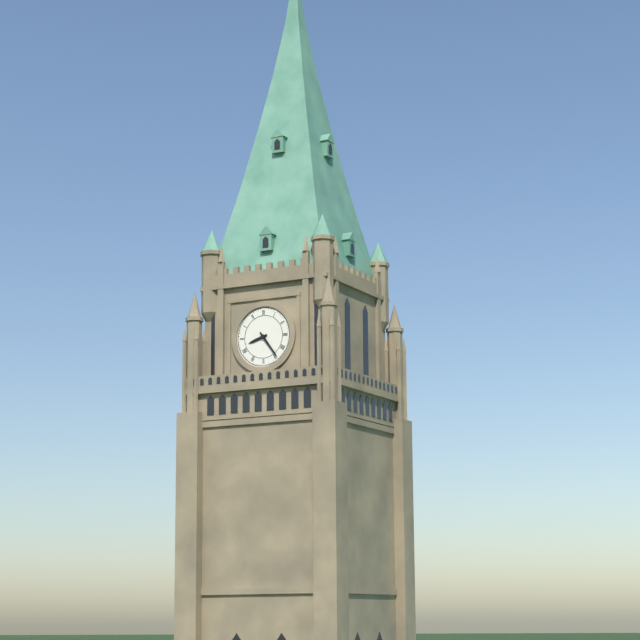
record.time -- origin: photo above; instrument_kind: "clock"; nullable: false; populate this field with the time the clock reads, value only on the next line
8:24
